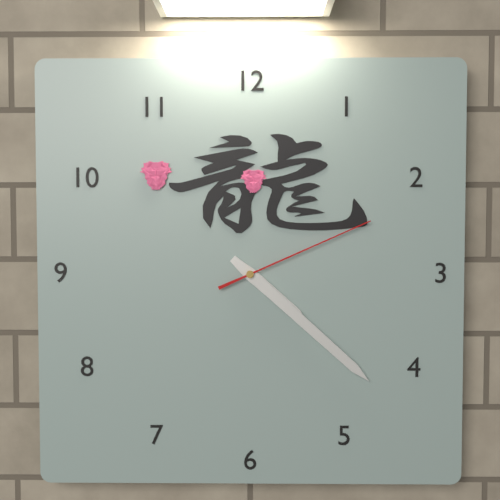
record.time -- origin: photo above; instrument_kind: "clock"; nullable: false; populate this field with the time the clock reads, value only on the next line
4:22:11
